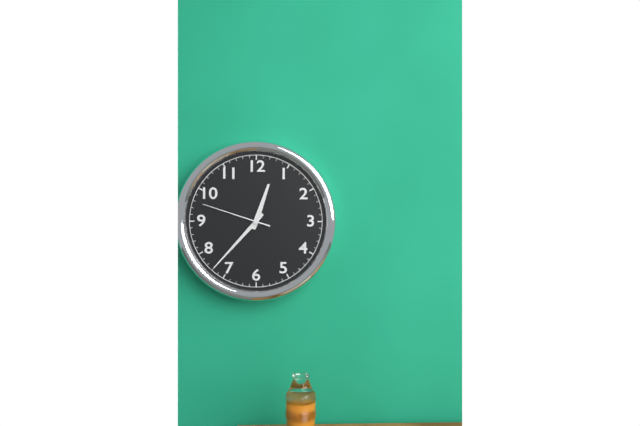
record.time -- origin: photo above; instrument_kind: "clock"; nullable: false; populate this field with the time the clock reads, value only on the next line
12:37:48
